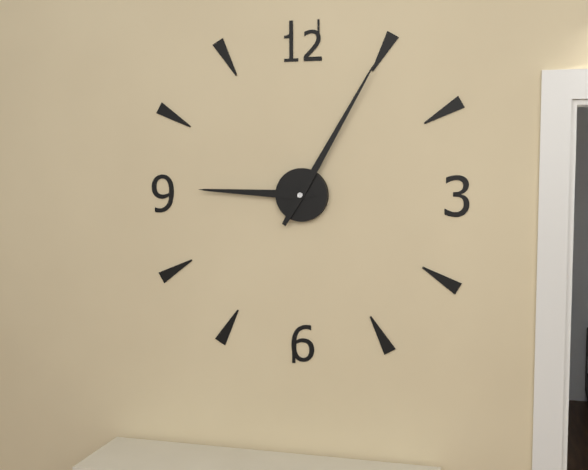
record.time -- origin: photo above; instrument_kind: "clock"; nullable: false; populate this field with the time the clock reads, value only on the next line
9:05
